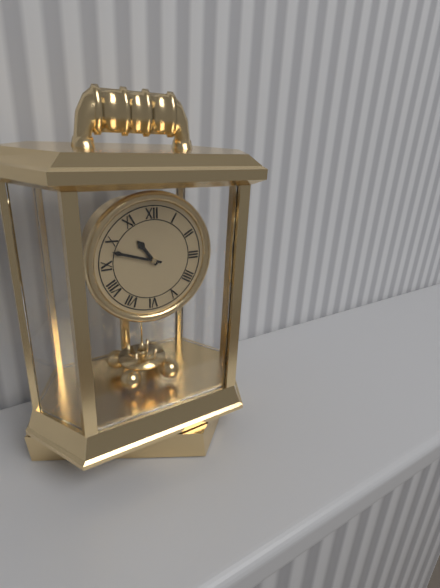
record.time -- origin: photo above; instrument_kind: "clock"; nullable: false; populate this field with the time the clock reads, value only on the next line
10:48
